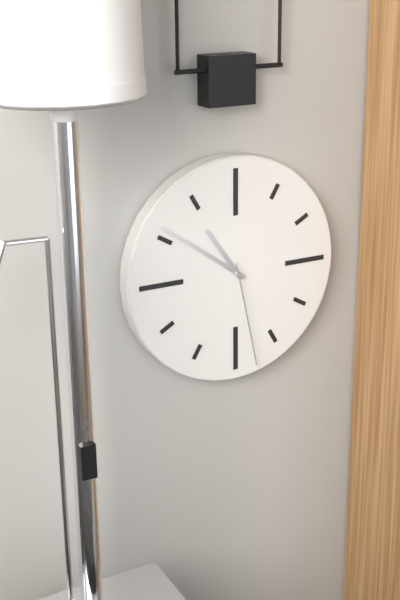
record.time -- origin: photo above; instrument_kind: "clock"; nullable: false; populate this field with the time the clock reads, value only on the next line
10:51:28
